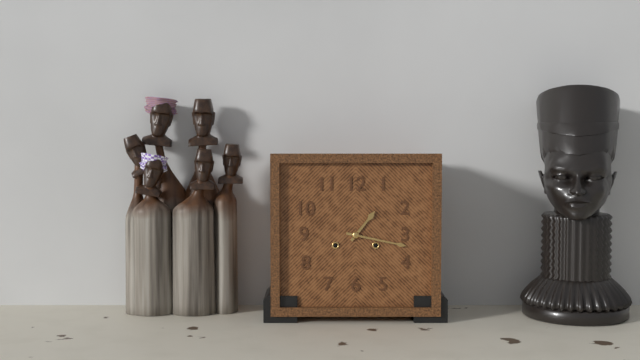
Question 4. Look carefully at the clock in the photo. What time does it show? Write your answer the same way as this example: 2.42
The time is 1.17
